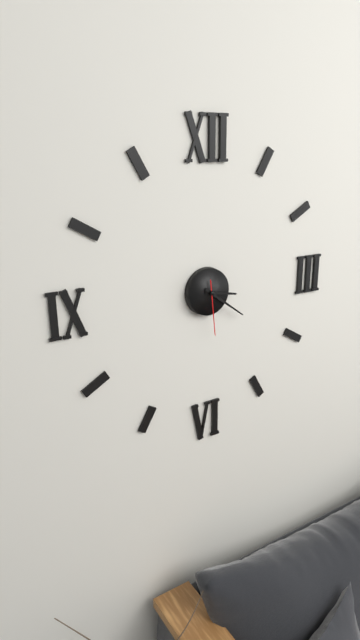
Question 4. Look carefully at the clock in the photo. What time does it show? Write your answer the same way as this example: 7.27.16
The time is 3.21.29
